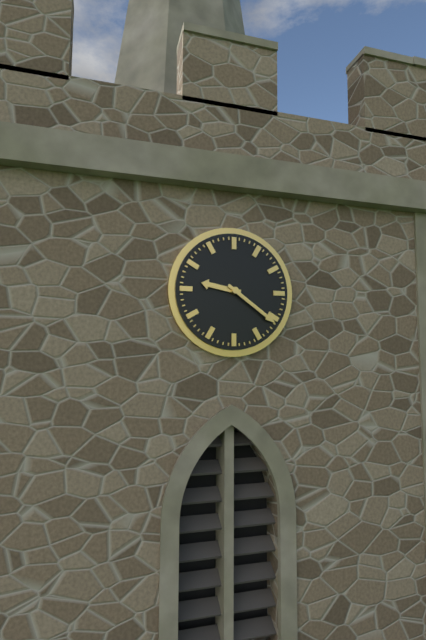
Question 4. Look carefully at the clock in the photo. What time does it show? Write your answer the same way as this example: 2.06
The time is 9.21
